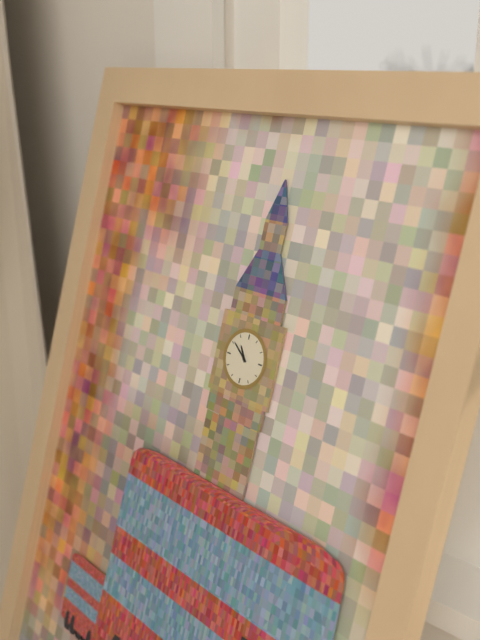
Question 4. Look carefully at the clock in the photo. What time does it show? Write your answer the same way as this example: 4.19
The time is 10.51
